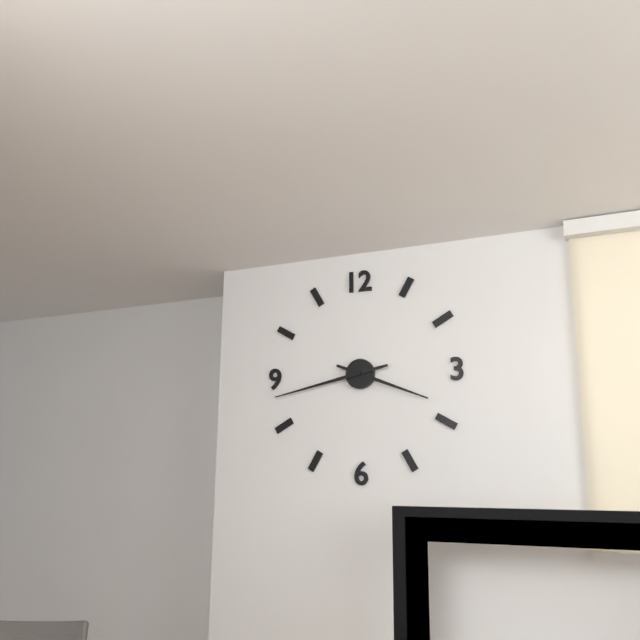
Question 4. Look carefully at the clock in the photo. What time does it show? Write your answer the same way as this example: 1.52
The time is 3.43
